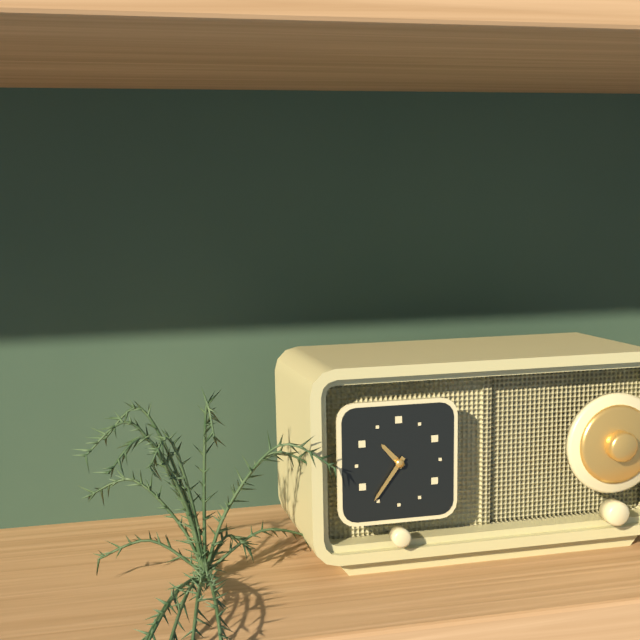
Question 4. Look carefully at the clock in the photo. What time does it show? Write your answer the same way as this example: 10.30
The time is 10.36
